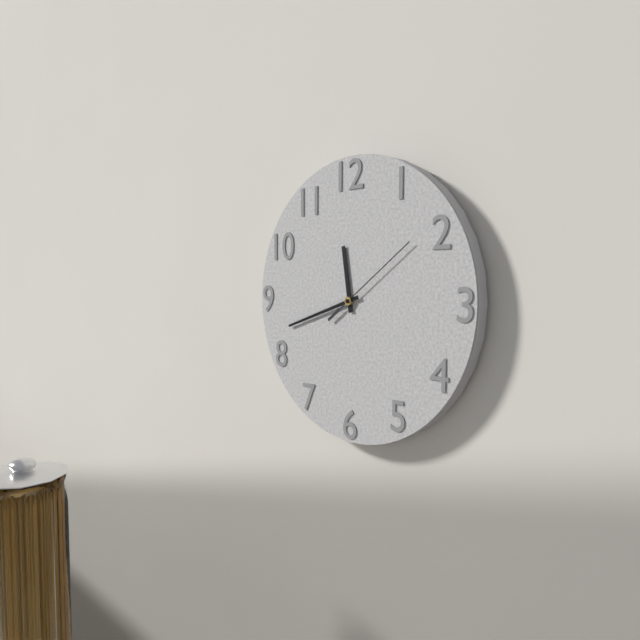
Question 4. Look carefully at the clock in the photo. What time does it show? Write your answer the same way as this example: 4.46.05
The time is 11.42.09
